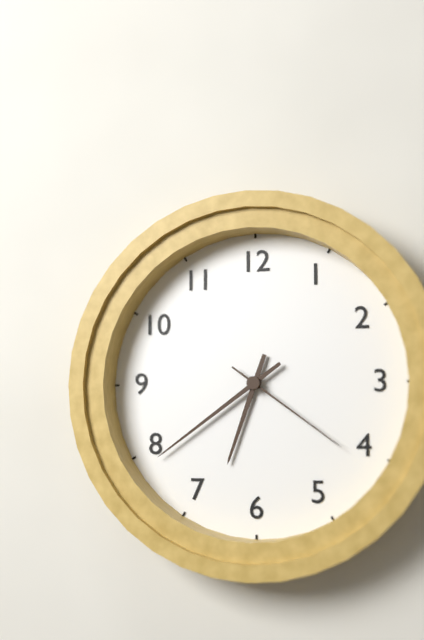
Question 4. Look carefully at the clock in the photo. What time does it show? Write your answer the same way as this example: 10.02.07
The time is 6.39.21
